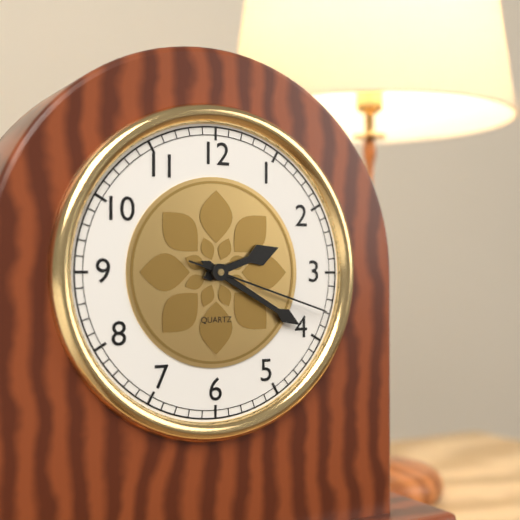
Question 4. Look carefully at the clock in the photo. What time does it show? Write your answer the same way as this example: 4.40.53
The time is 2.20.18
